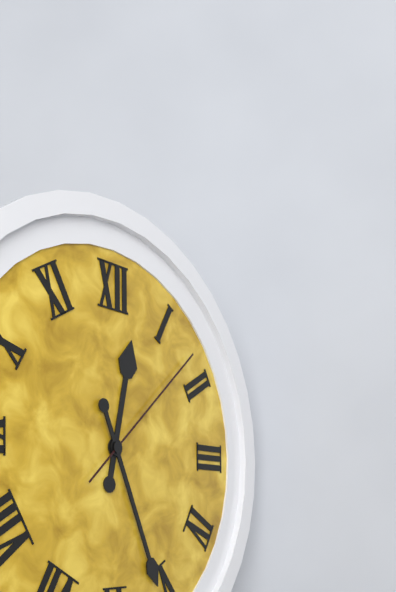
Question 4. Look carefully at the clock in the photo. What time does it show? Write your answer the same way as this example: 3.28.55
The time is 12.26.08
